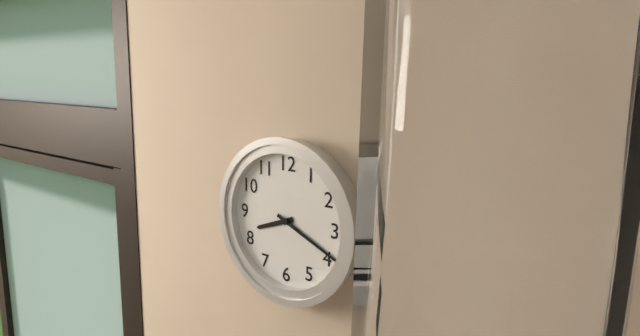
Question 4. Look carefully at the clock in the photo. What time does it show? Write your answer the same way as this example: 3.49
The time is 8.19
